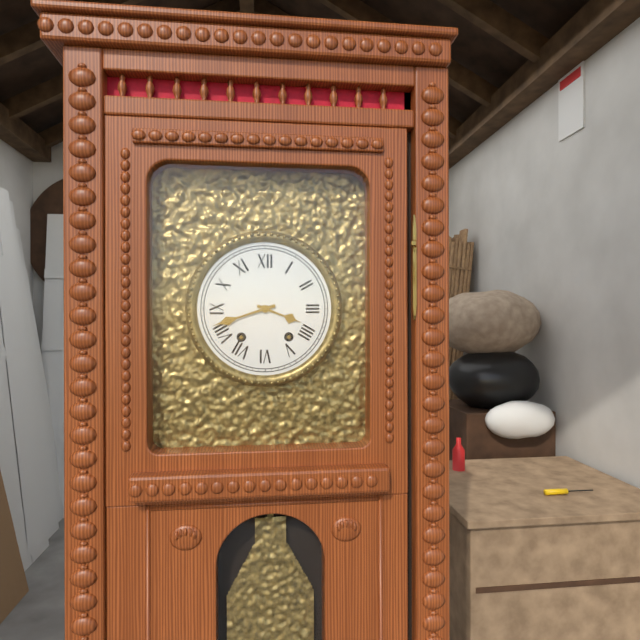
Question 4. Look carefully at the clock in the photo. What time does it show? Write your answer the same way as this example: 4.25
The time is 3.42
